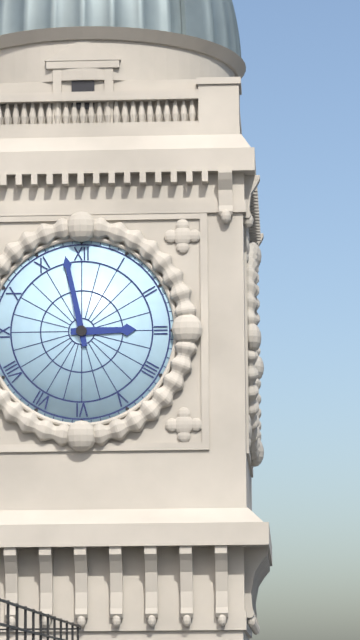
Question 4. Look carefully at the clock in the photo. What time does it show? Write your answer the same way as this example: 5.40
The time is 2.58
